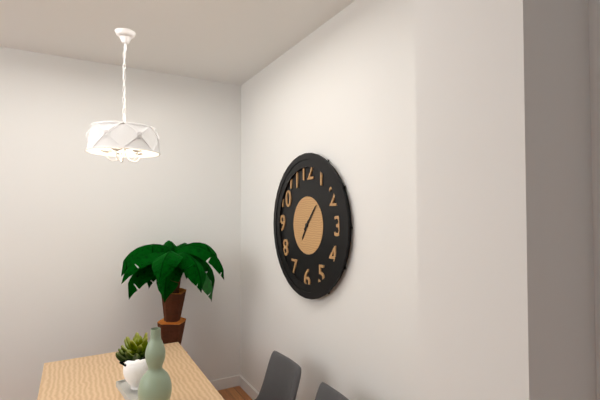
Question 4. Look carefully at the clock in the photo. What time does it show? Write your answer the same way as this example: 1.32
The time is 7.07
